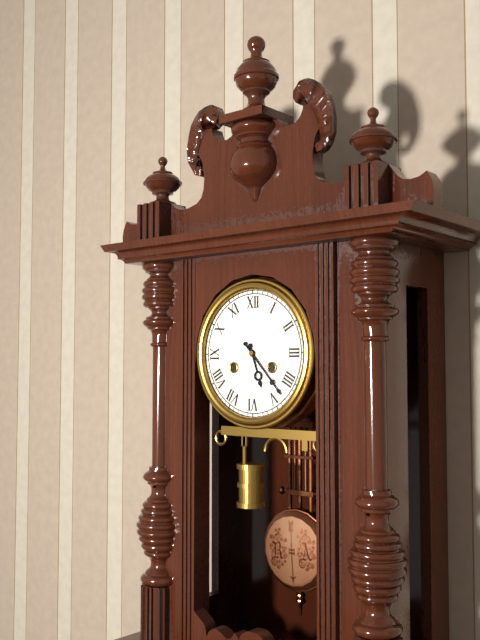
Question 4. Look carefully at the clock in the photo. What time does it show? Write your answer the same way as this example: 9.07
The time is 5.23
